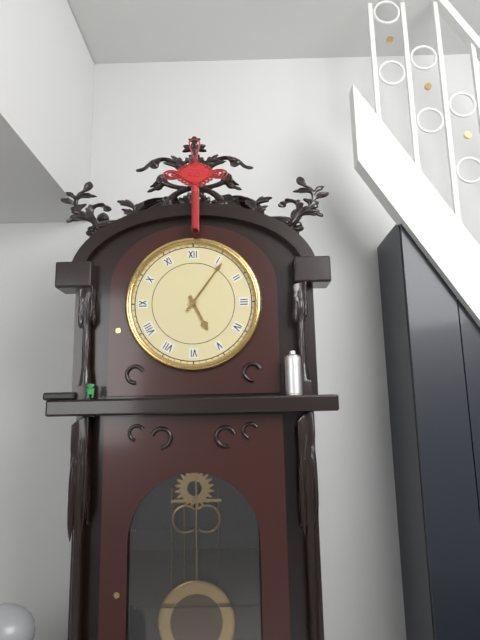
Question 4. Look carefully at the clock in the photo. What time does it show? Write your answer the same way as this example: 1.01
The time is 5.06
